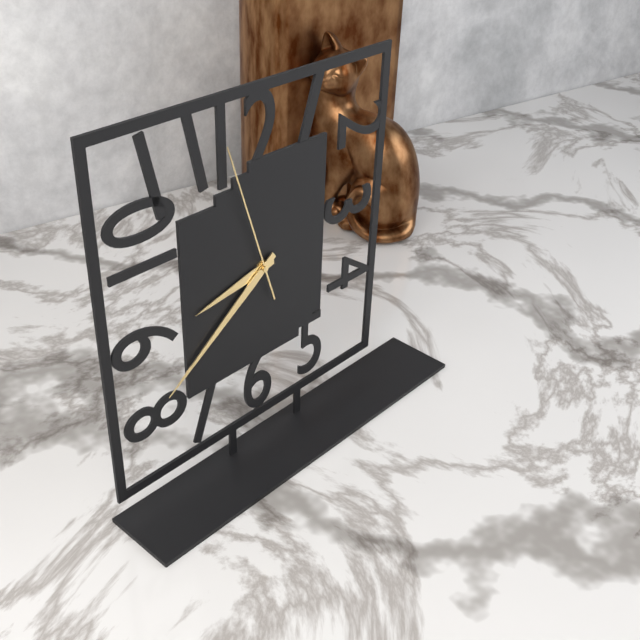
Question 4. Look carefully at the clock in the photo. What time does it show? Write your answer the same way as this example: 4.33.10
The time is 8.39.57
